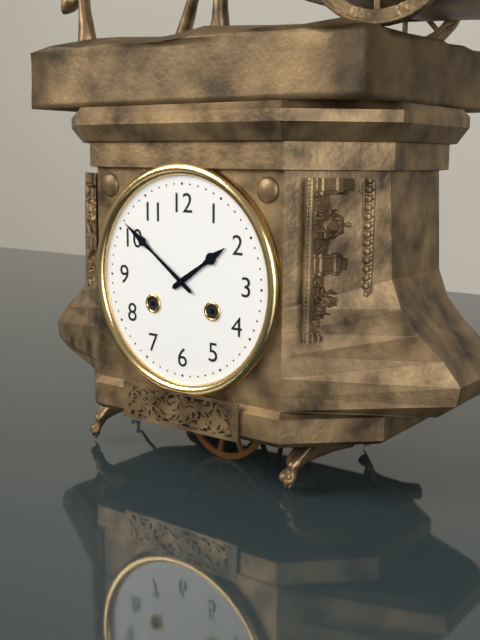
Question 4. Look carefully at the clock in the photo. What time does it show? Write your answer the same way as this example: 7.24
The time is 1.51
